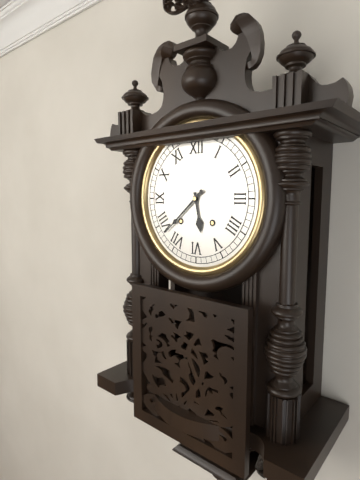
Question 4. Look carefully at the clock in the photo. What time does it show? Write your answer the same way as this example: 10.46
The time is 5.38
